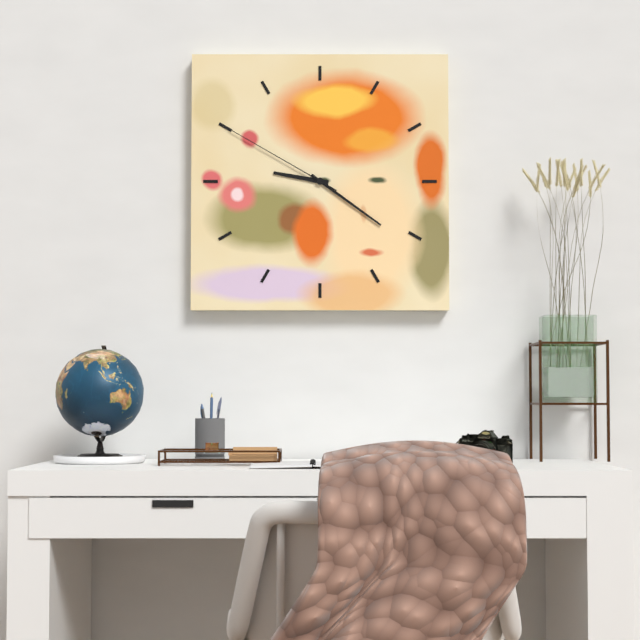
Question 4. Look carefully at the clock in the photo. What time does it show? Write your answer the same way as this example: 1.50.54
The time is 9.21.50
